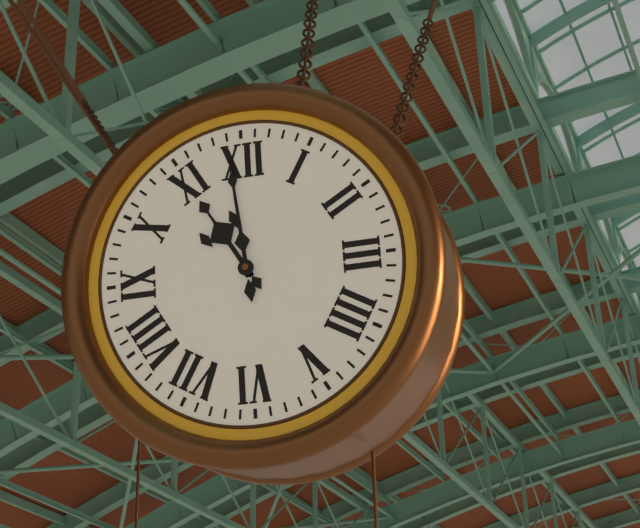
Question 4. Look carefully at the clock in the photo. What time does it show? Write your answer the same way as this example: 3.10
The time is 10.59
